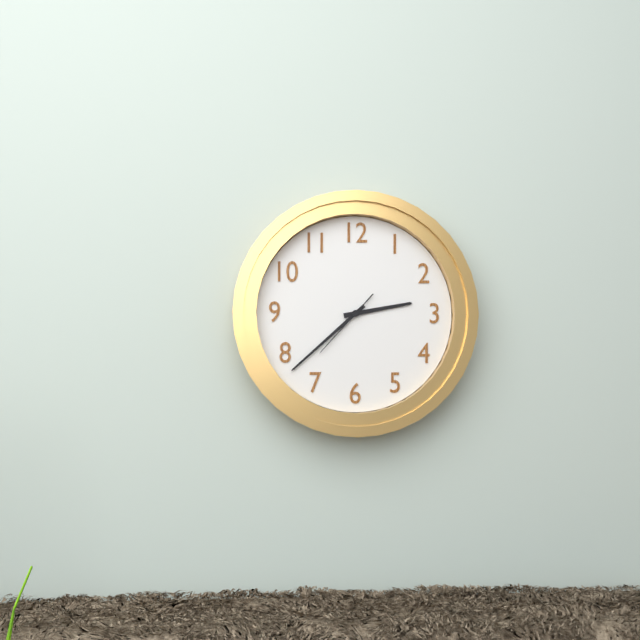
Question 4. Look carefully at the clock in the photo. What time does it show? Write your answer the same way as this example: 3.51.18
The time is 2.38.37
